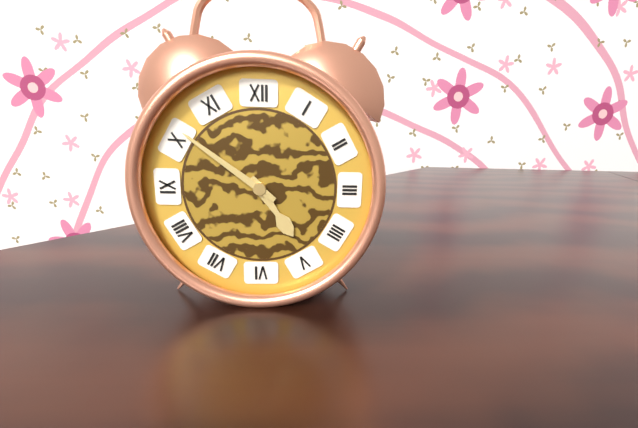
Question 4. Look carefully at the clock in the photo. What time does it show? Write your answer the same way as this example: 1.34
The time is 4.51
